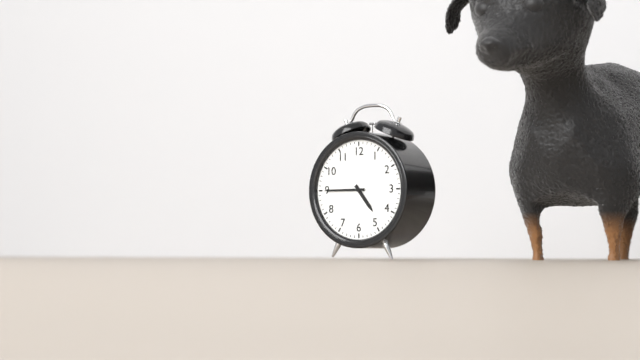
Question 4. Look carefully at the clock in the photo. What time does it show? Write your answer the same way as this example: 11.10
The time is 4.45
